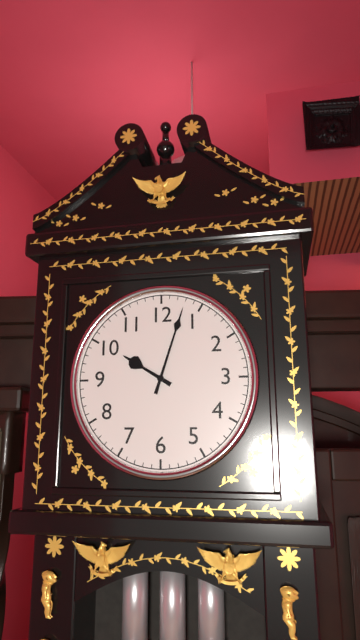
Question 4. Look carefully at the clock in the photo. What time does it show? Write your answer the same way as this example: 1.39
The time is 10.03
